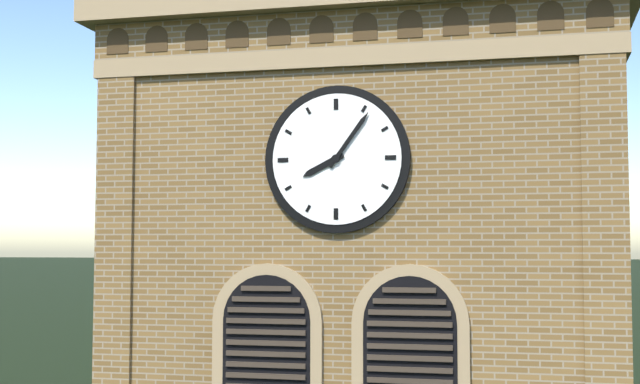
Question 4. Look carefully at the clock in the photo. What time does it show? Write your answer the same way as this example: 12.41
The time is 8.06
